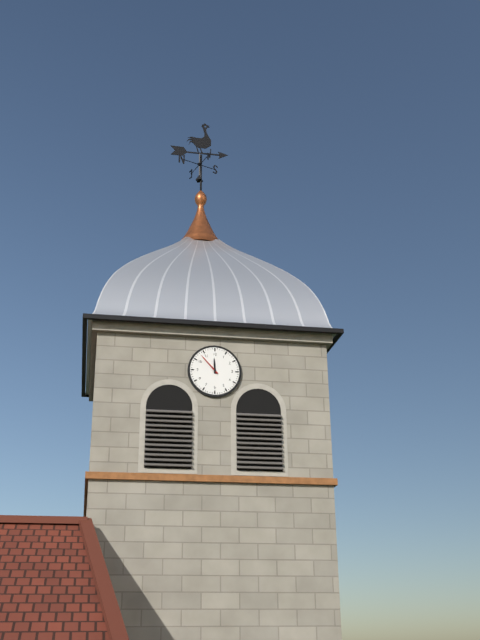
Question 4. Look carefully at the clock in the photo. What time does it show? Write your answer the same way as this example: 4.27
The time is 11.53
